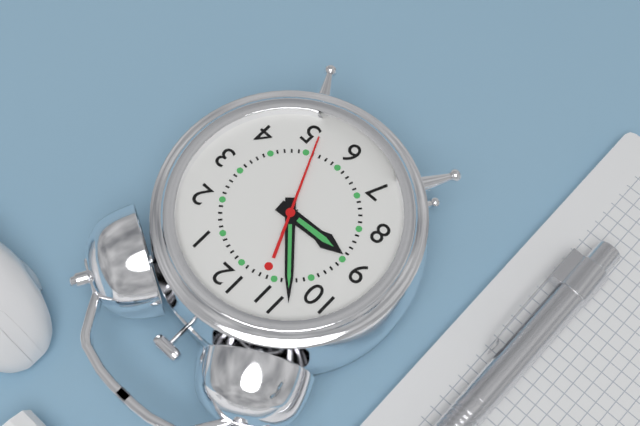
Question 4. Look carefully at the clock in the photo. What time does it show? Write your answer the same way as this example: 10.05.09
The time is 8.53.26
